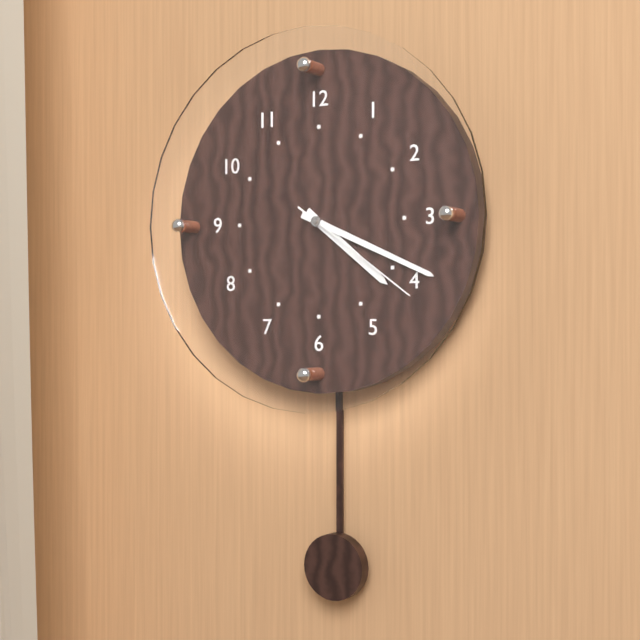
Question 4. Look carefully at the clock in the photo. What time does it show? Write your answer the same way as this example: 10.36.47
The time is 4.19.21
